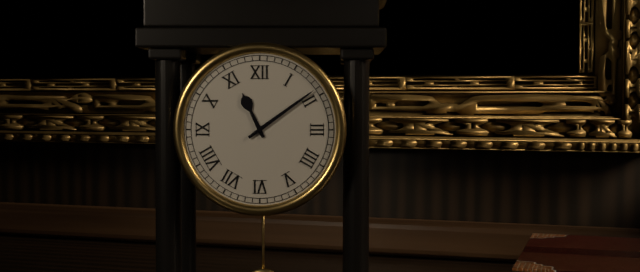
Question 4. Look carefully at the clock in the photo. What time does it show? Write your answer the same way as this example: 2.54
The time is 11.09
